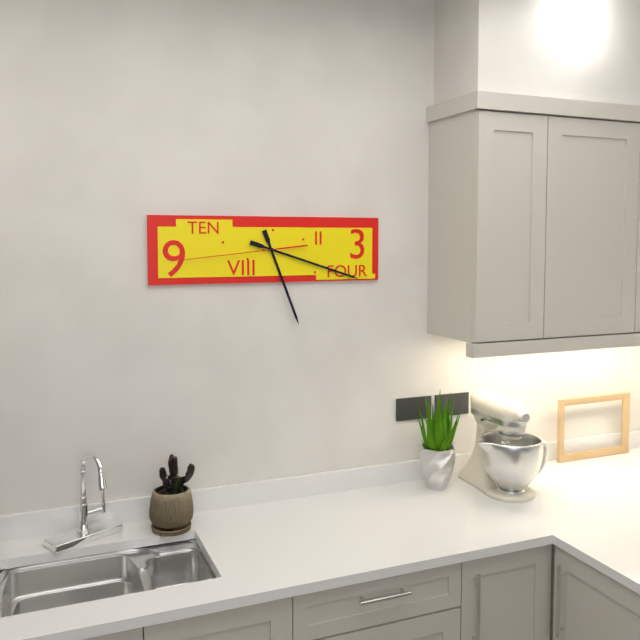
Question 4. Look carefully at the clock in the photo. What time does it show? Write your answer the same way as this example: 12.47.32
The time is 5.18.44
